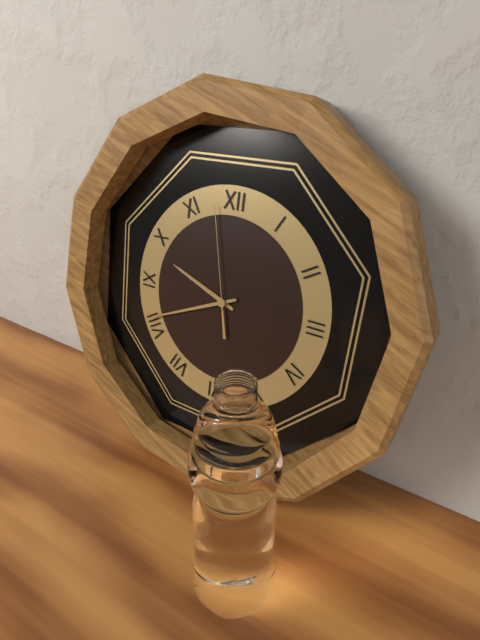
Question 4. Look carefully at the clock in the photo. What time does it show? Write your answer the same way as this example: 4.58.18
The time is 9.41.58
